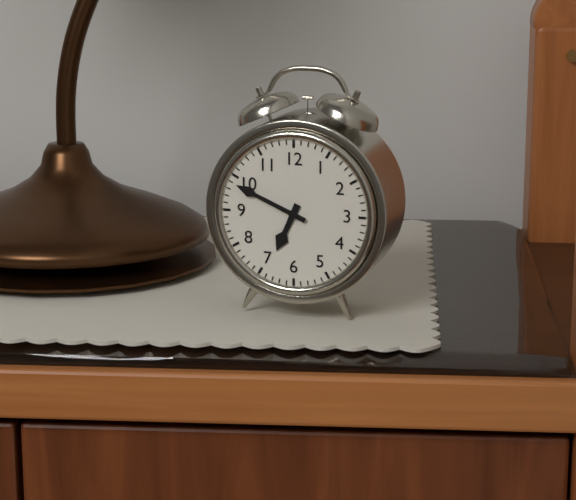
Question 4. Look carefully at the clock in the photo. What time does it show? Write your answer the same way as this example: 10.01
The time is 6.49
